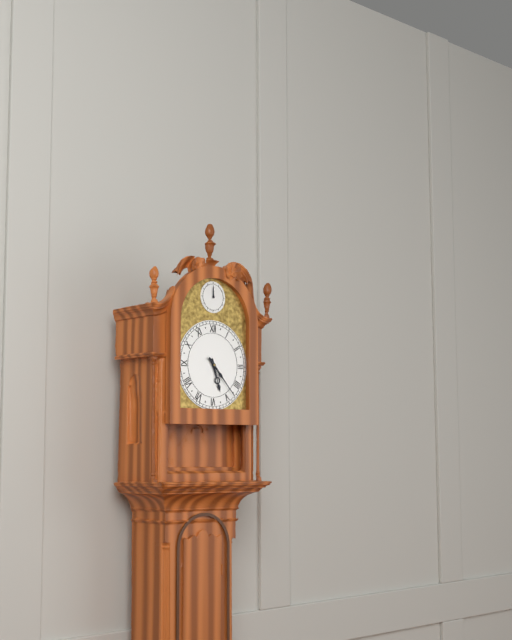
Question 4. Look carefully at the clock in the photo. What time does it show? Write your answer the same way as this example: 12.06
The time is 5.23
